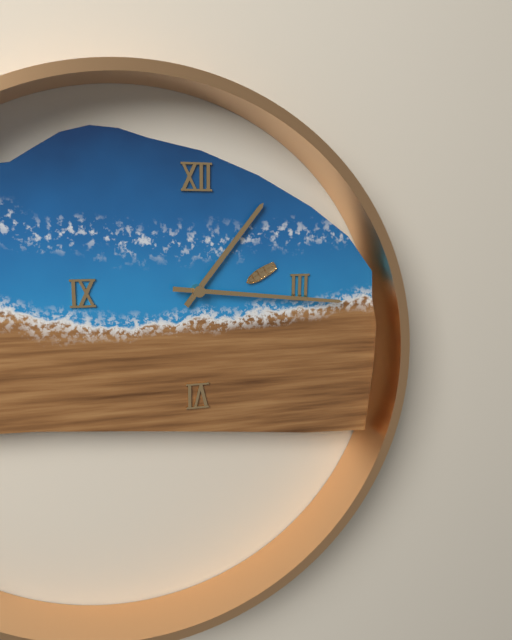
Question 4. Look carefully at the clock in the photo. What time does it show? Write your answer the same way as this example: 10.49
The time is 1.16
